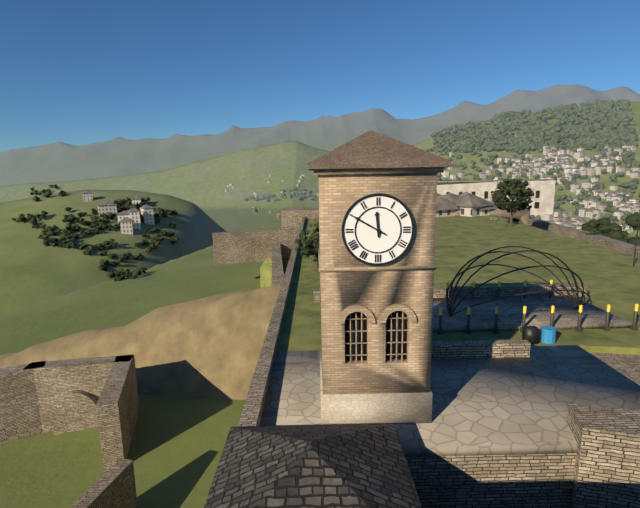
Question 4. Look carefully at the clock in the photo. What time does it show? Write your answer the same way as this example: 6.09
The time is 11.50
